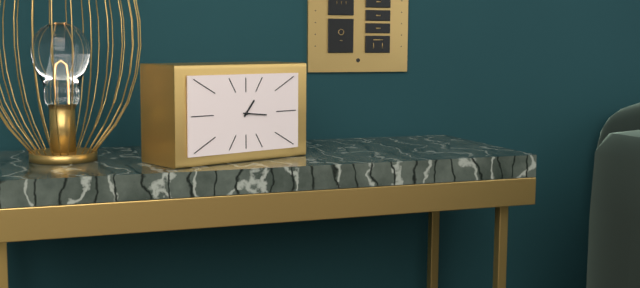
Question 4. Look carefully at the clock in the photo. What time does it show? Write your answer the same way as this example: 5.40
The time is 1.16
